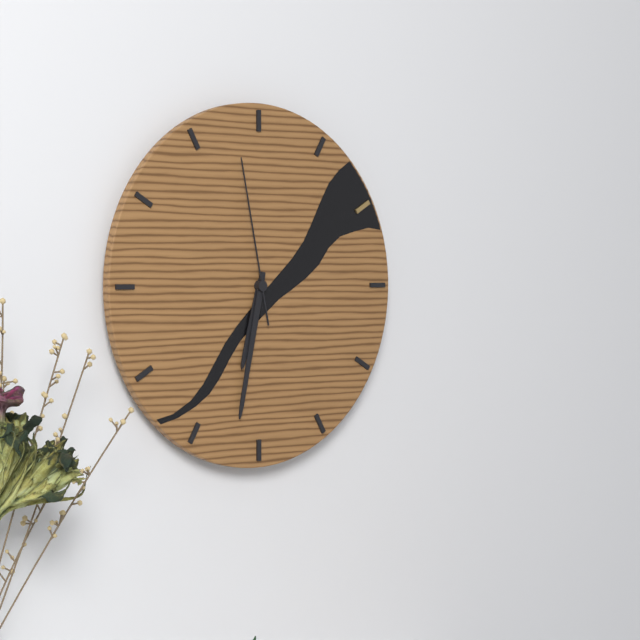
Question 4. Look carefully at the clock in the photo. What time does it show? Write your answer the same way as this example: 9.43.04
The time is 6.32.58
